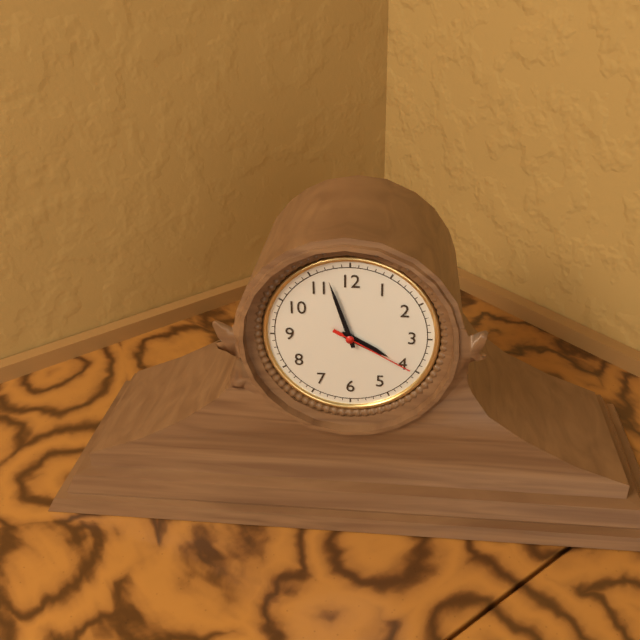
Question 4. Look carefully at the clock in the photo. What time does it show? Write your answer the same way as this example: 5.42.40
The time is 3.57.20
